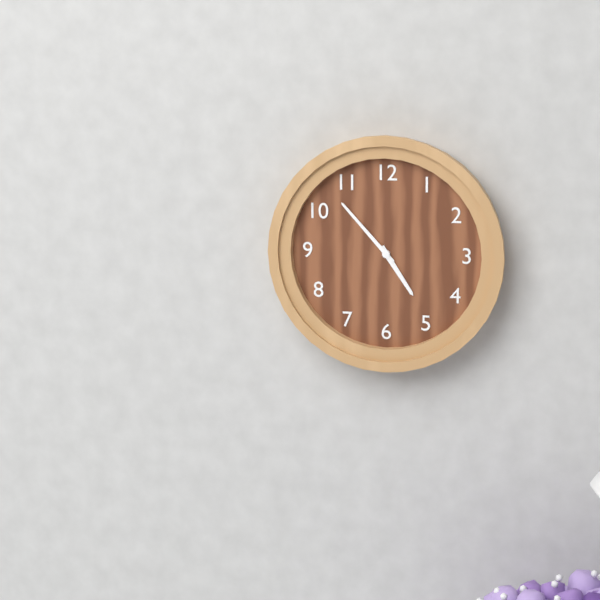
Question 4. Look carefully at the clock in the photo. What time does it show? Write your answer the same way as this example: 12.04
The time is 4.53
